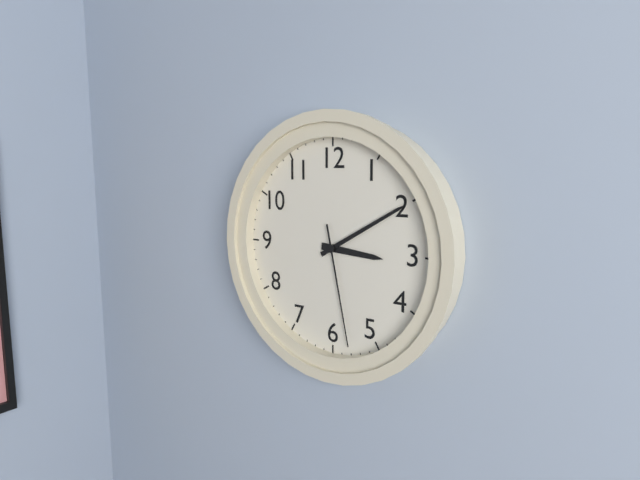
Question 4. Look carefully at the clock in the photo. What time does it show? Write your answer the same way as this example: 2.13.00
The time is 3.10.28
